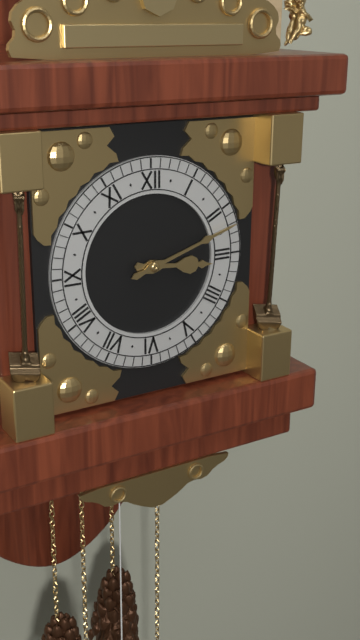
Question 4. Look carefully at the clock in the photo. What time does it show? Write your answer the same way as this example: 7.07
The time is 3.12
